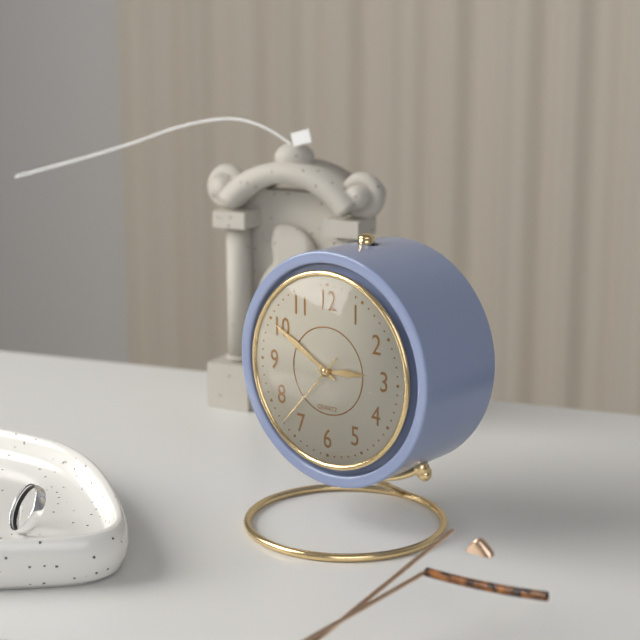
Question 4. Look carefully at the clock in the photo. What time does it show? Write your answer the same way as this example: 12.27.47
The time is 2.50.37
